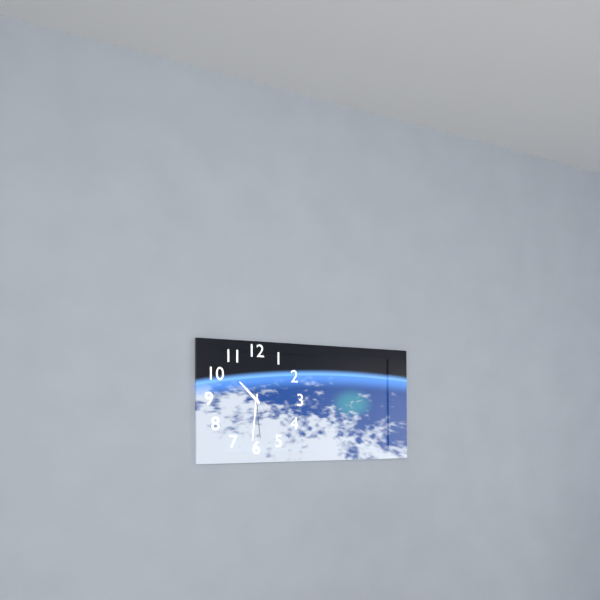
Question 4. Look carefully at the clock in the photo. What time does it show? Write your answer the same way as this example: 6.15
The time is 10.31
